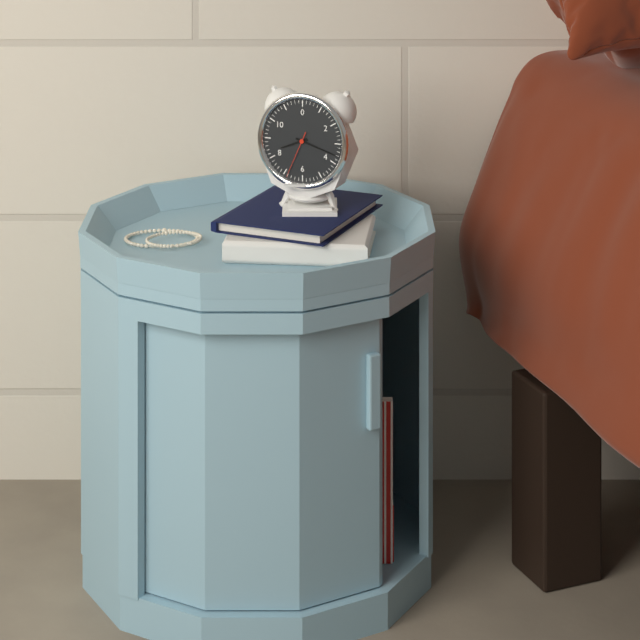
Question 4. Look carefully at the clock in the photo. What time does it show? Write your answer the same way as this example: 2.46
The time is 8.18
